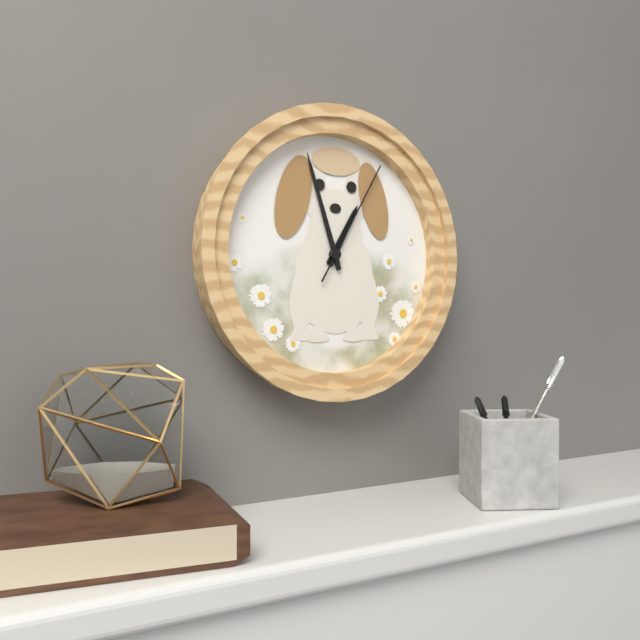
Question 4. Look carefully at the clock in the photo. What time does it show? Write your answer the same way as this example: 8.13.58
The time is 12.57.05
